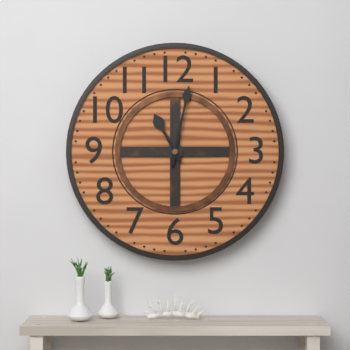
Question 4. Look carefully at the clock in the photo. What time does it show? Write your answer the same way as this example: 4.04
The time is 11.02
